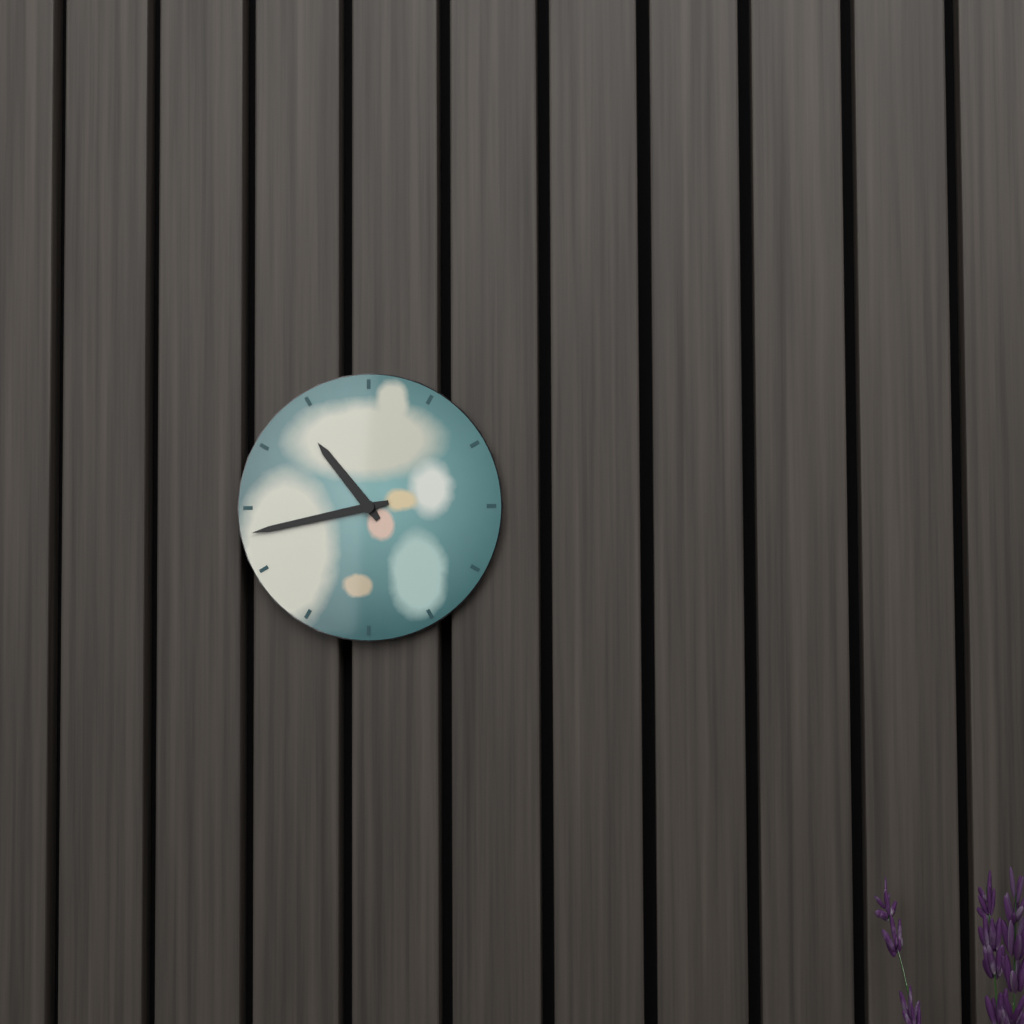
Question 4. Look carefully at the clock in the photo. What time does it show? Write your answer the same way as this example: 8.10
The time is 10.43
